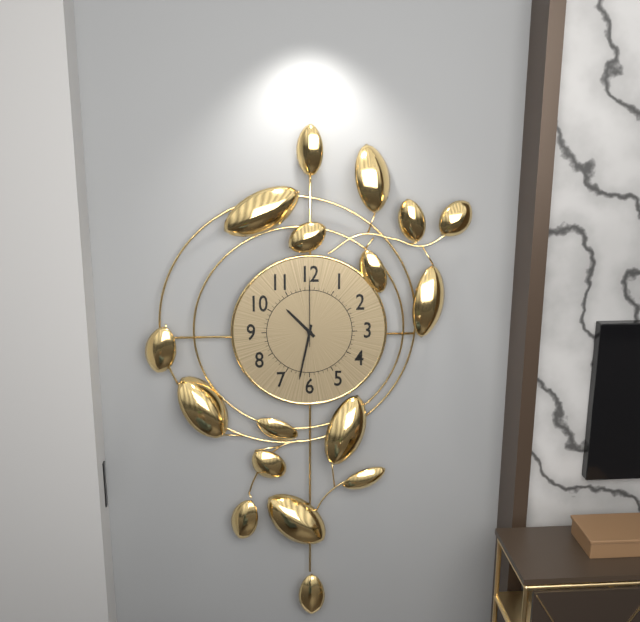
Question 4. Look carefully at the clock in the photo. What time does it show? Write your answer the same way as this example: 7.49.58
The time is 10.32.00
